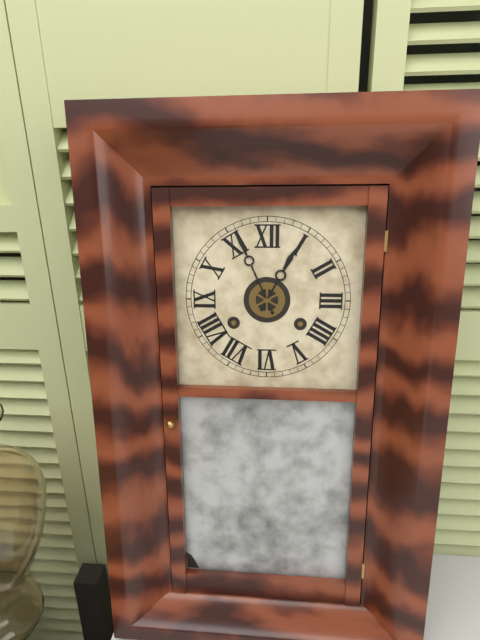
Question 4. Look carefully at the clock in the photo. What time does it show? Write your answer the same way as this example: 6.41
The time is 12.56
